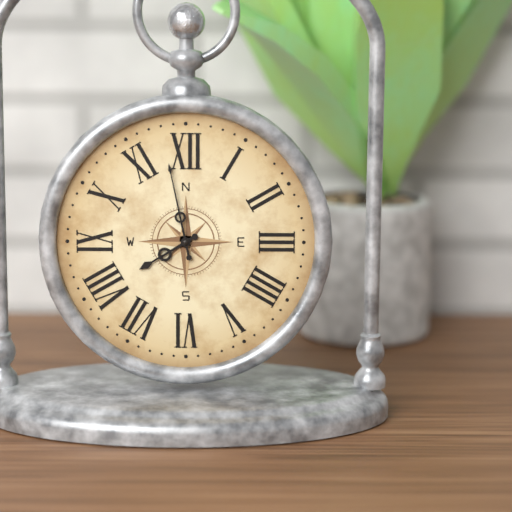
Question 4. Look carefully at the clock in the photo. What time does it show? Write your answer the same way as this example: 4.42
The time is 7.58
